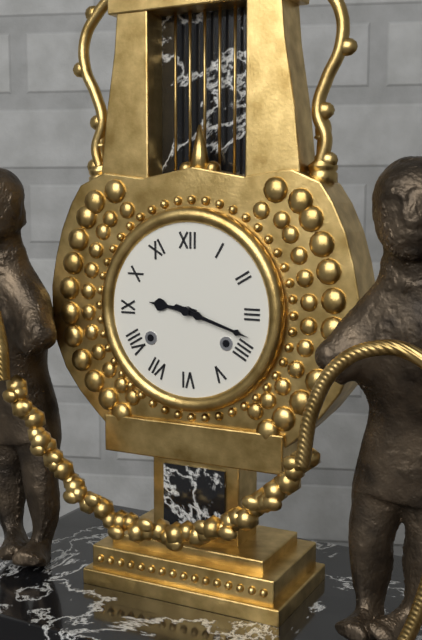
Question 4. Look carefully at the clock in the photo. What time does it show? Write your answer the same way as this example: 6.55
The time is 9.18
